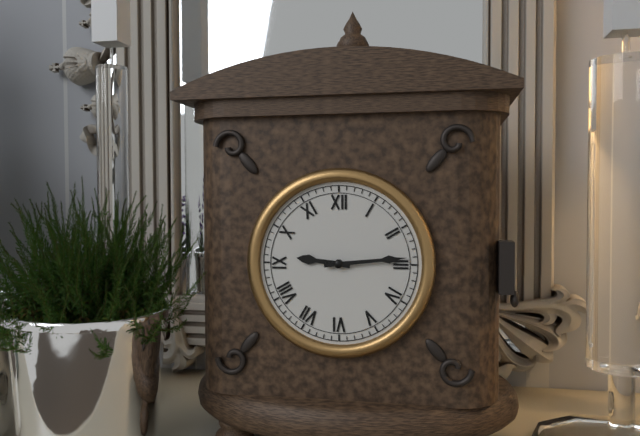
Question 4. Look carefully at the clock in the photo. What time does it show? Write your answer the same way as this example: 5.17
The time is 9.14
